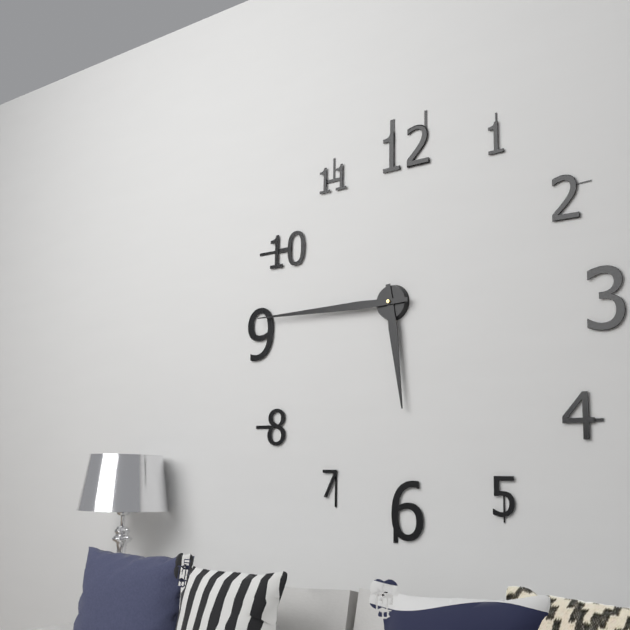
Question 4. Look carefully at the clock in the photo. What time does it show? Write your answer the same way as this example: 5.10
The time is 5.45
